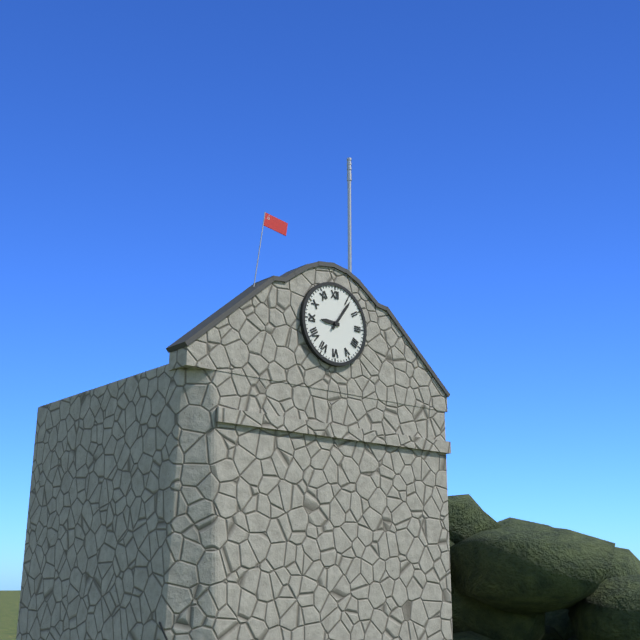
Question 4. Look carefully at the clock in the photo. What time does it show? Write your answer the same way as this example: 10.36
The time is 9.06
